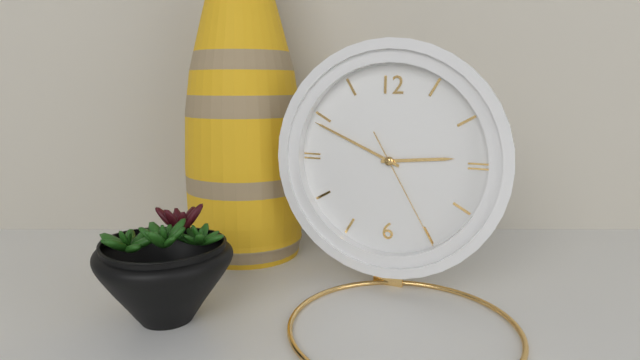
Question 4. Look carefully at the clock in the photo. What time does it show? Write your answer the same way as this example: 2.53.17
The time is 2.49.25
